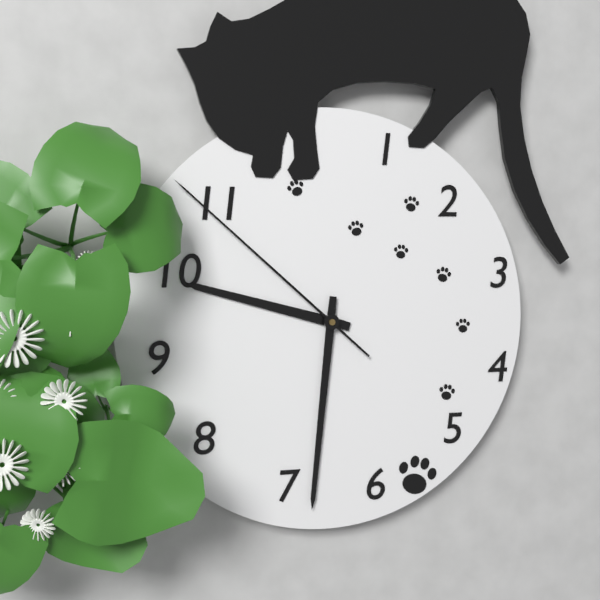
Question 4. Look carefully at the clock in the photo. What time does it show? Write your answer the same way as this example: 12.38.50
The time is 9.31.52
